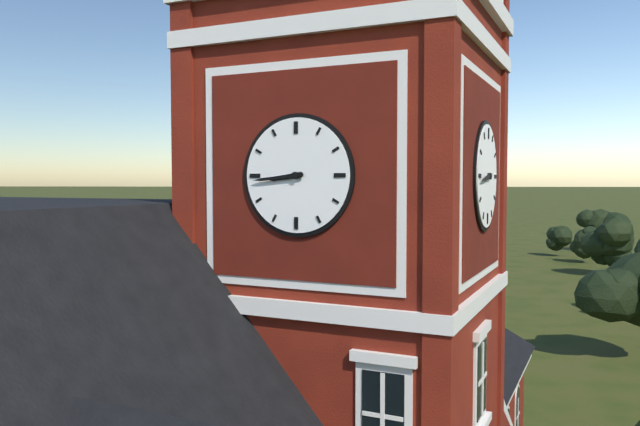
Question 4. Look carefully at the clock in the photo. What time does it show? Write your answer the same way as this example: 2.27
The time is 8.44
